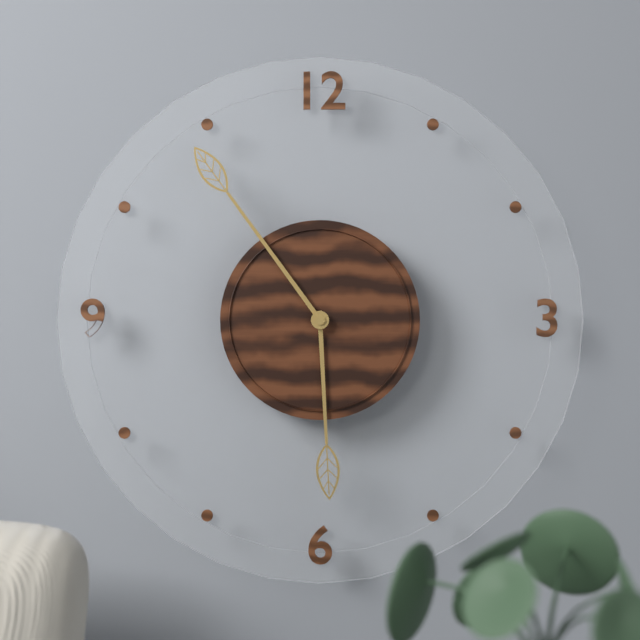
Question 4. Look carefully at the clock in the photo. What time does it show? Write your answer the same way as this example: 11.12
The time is 5.54
